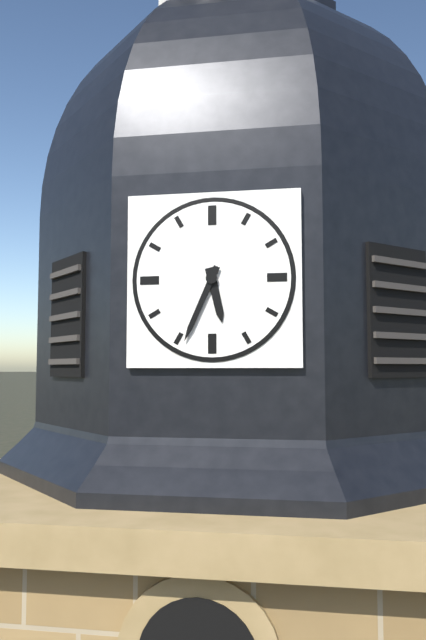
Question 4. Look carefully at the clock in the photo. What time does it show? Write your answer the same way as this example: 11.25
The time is 5.34
